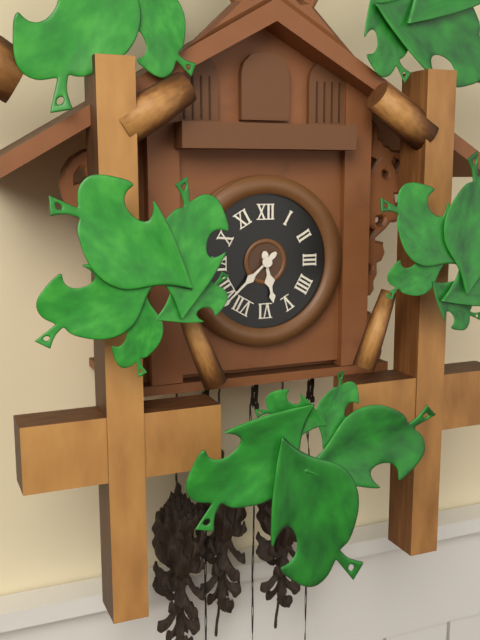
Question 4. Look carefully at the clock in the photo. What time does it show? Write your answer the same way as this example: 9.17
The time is 5.38
